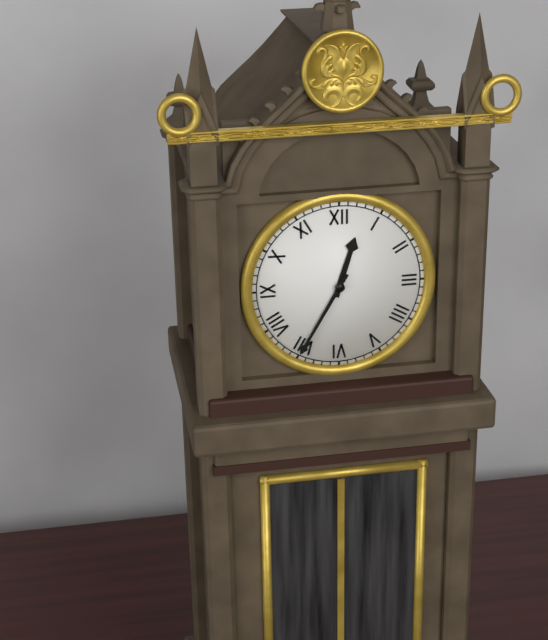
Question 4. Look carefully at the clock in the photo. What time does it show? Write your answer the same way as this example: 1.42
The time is 12.35
